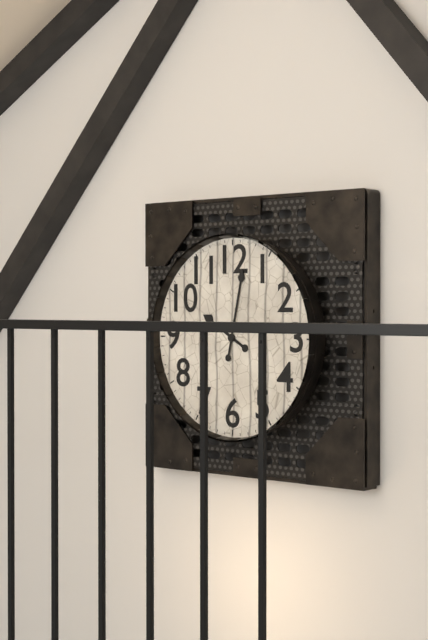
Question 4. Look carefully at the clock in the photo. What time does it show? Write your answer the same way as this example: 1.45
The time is 10.02
